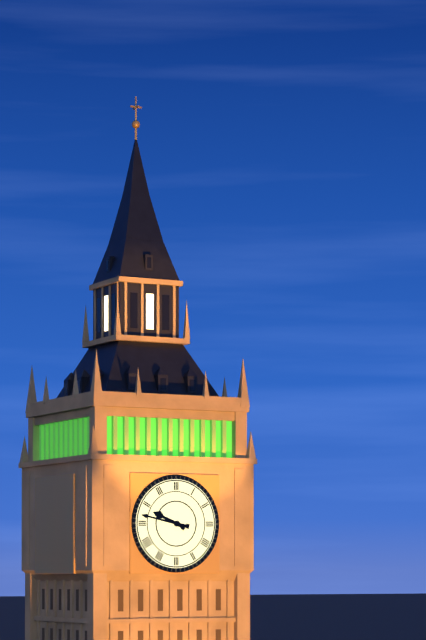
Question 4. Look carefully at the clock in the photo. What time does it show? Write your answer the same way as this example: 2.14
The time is 9.47
